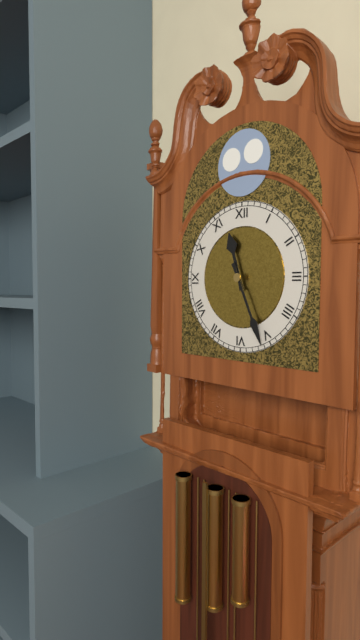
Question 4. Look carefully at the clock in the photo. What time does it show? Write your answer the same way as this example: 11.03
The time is 11.26
